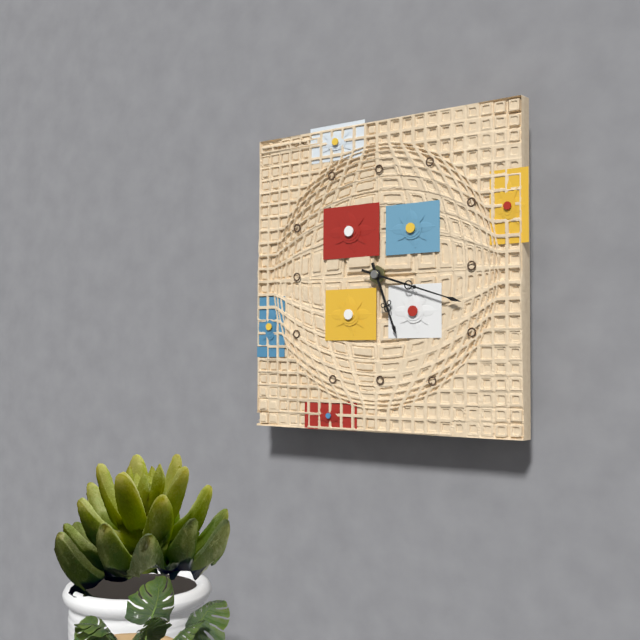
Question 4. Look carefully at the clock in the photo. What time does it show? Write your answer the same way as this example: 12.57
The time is 5.18
